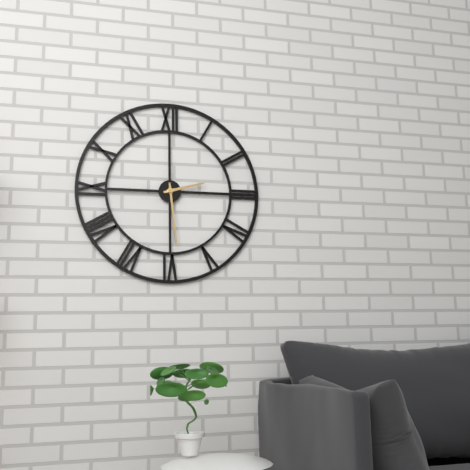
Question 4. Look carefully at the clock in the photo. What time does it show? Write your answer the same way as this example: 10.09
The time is 2.29
